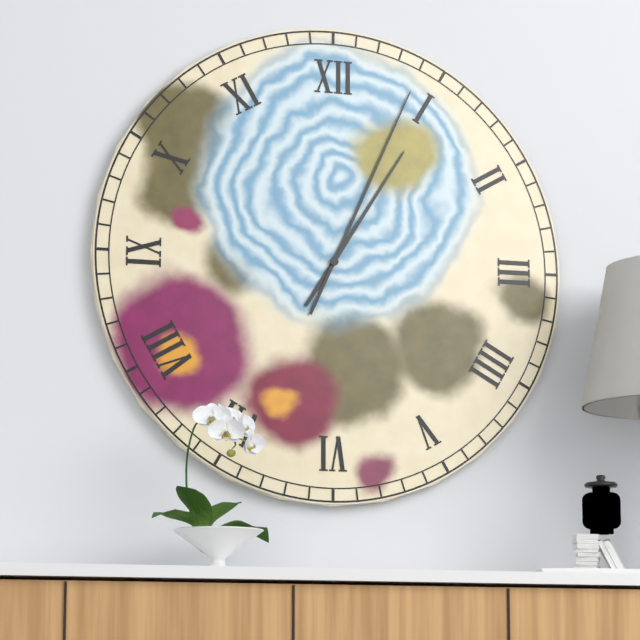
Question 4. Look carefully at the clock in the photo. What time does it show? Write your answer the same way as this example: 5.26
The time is 1.04
